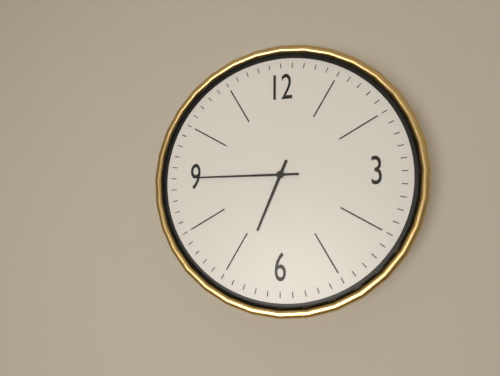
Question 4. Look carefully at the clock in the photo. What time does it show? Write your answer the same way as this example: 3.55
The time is 6.45
